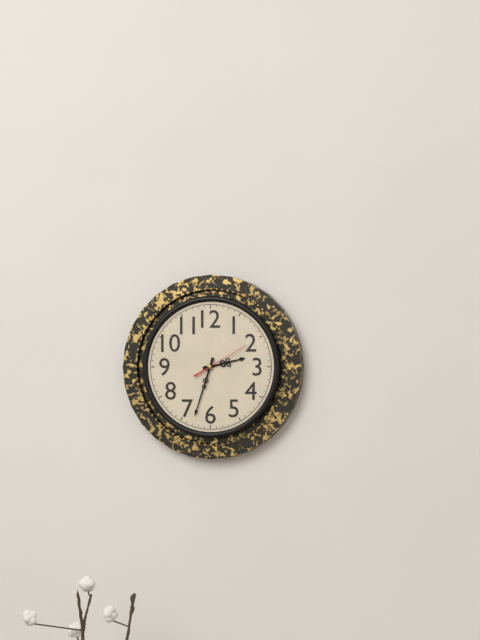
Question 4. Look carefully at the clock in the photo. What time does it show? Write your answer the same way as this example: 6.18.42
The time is 2.33.10
